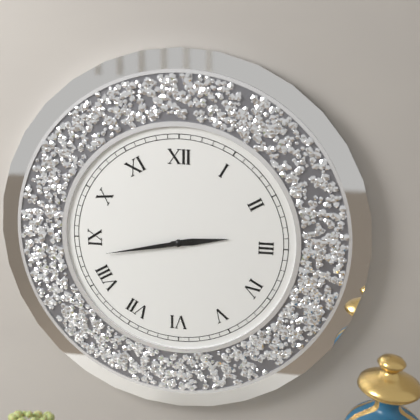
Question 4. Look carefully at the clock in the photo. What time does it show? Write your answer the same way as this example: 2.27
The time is 2.43
